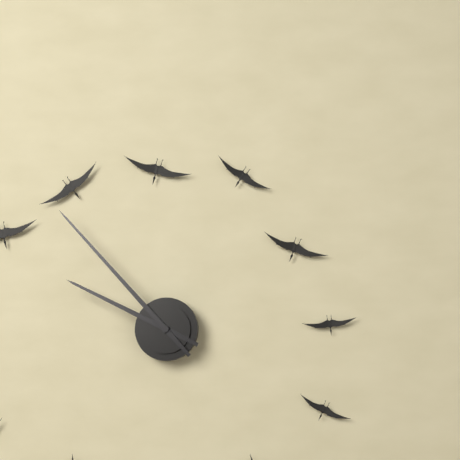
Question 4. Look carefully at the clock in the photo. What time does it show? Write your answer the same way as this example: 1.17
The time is 9.53
